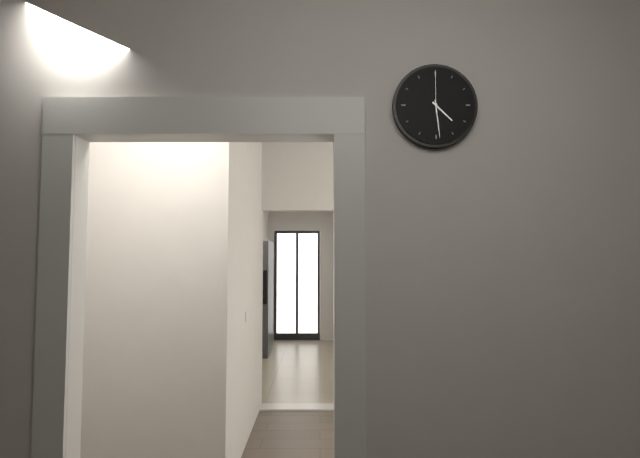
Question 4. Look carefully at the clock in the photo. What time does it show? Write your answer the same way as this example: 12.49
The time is 4.29
